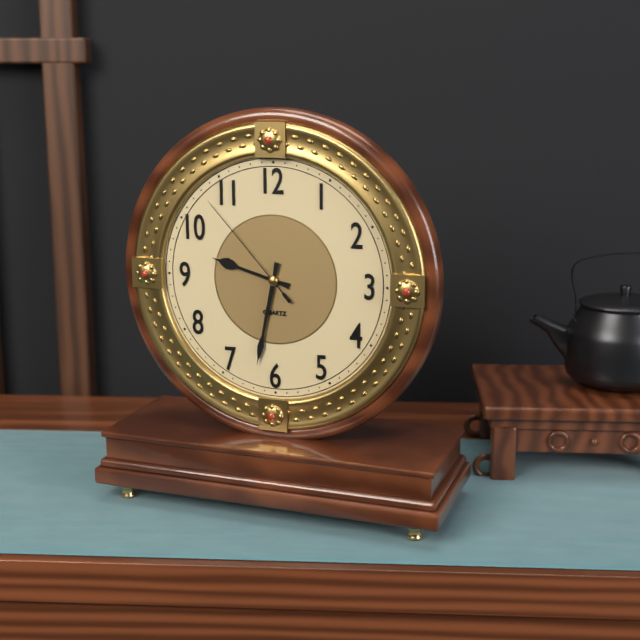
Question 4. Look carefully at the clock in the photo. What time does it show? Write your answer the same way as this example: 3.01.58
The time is 9.32.53
